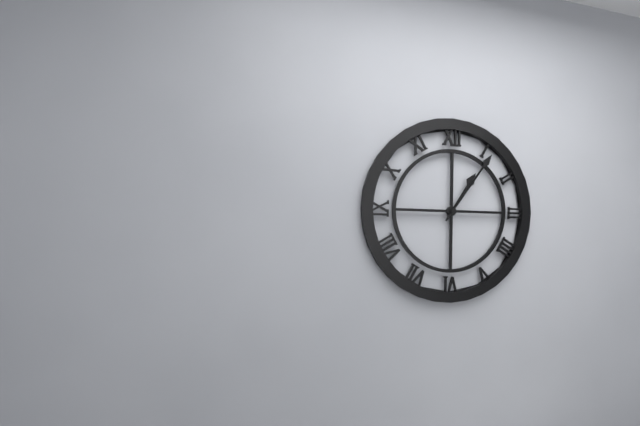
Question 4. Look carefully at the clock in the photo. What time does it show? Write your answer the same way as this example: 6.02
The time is 1.06
